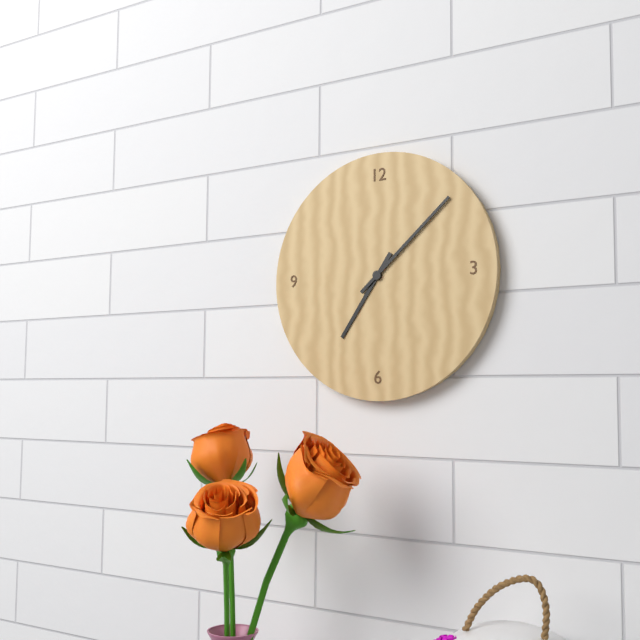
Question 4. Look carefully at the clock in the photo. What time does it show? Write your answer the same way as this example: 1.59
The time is 7.08
